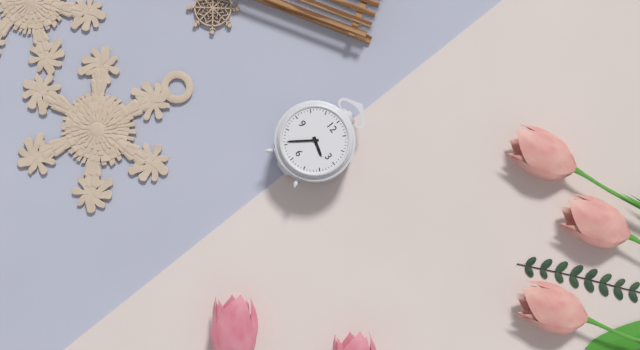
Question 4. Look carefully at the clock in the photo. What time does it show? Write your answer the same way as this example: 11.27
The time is 3.36
